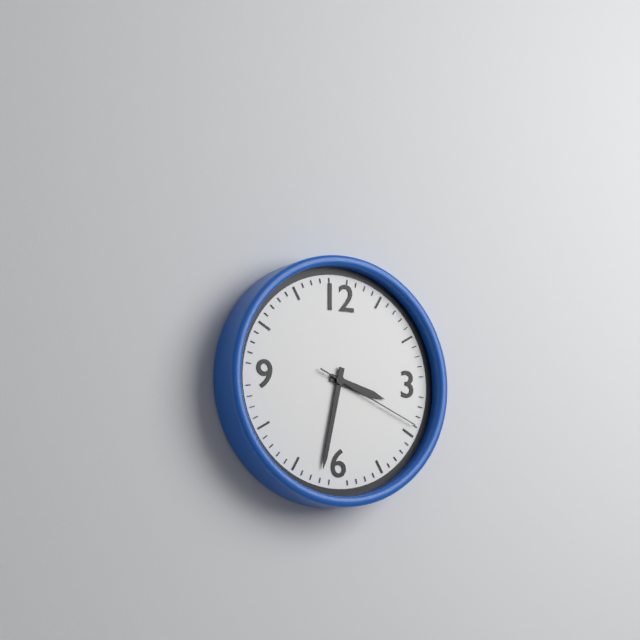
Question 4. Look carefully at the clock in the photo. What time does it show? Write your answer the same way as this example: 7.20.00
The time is 3.32.19
